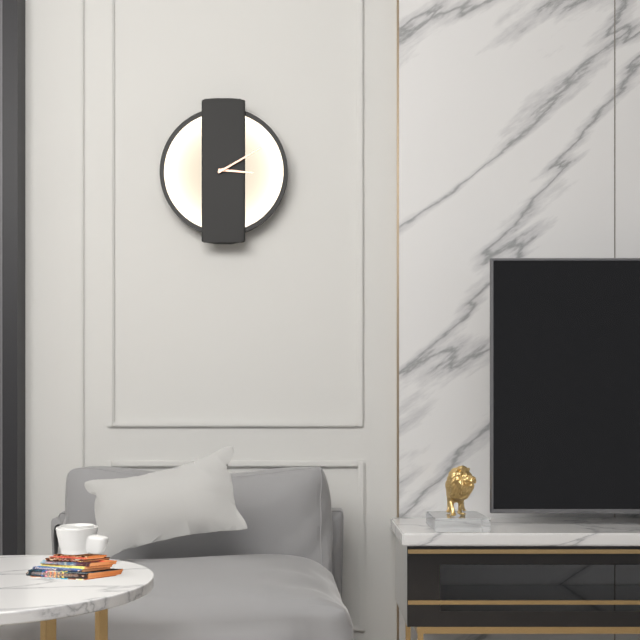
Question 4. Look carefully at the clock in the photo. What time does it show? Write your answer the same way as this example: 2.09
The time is 3.10
